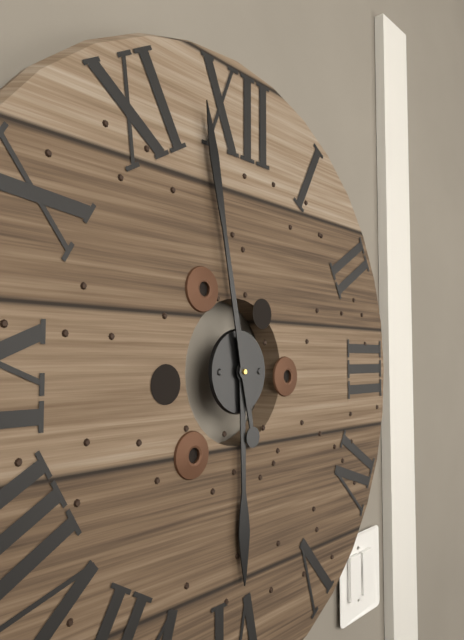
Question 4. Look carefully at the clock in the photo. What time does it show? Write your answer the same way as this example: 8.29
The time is 5.58
